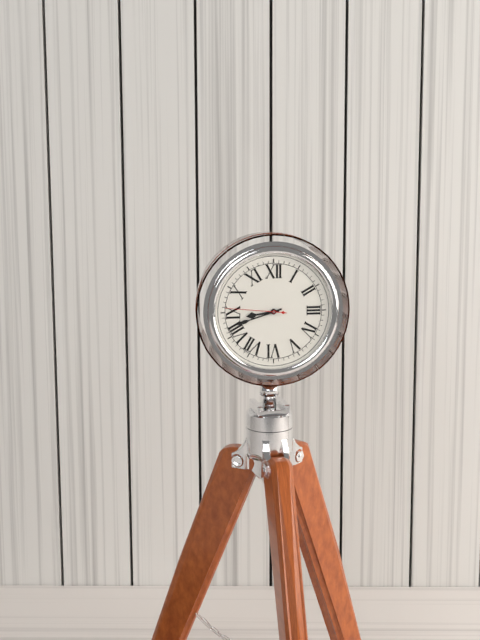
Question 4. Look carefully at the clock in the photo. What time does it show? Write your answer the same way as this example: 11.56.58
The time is 8.42.46
